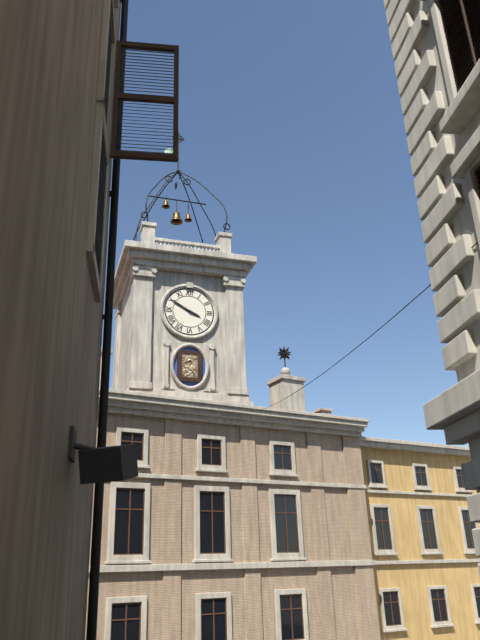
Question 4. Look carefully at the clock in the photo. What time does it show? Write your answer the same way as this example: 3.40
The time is 3.50
